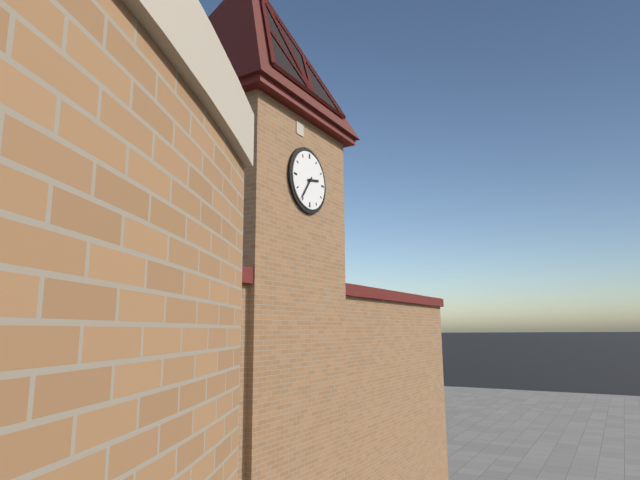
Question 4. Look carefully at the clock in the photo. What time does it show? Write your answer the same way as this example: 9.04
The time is 2.36
